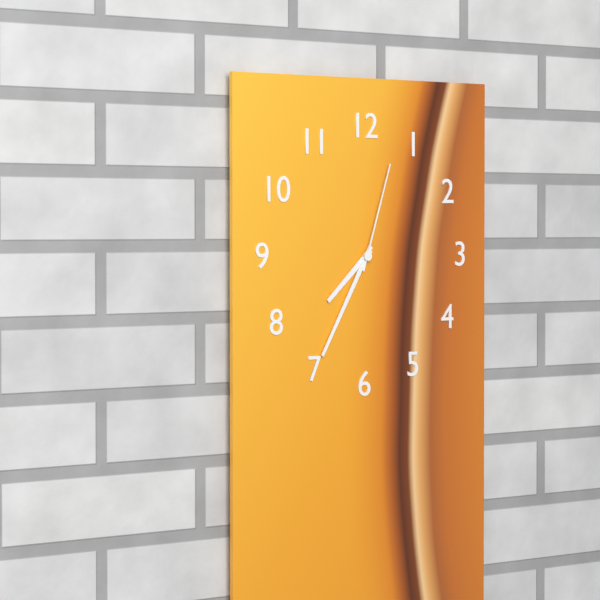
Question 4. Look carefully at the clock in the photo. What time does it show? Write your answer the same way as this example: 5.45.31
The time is 7.35.03
